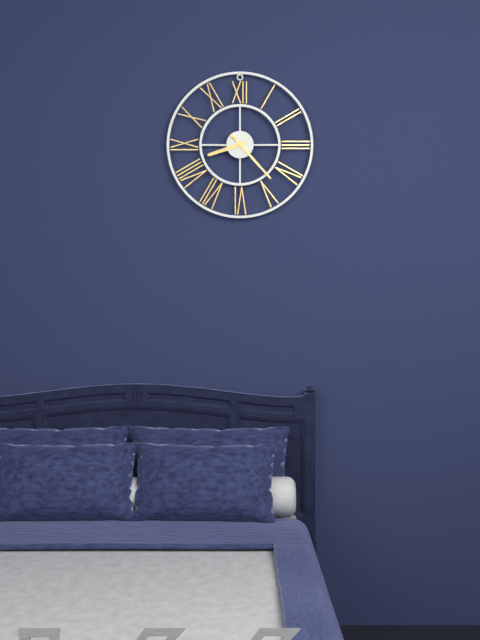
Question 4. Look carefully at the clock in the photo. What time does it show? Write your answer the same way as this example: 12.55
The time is 8.23
